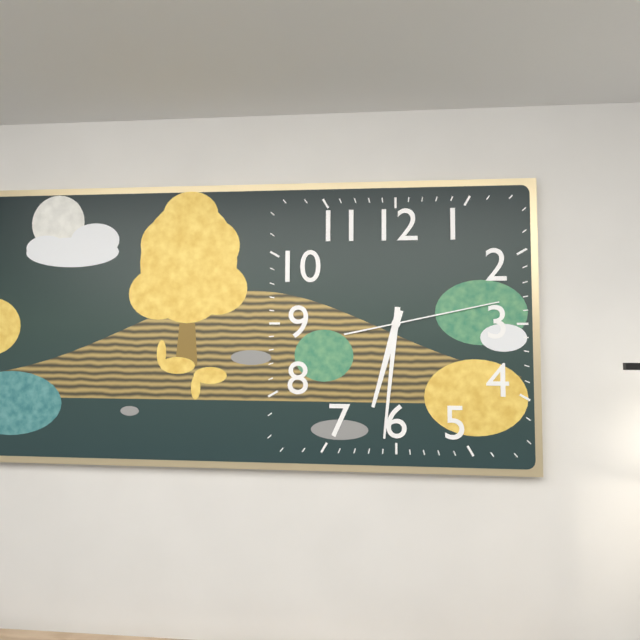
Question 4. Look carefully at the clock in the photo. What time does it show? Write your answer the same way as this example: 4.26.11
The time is 6.31.13
